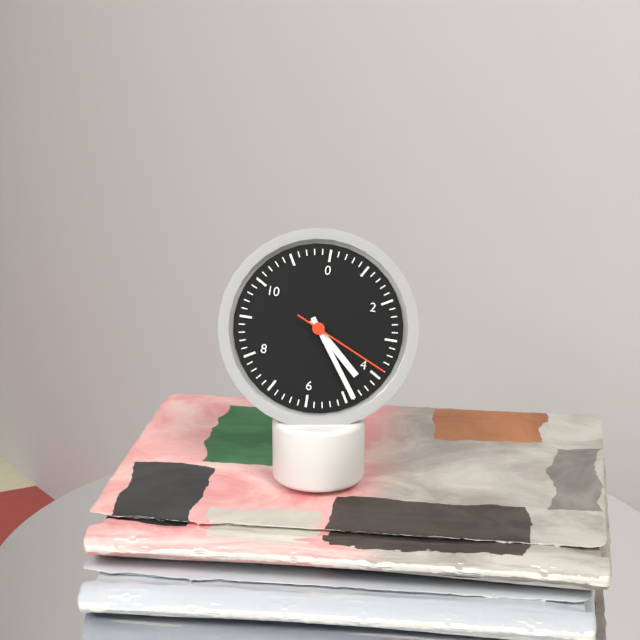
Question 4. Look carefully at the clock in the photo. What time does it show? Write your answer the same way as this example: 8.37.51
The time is 4.24.19
